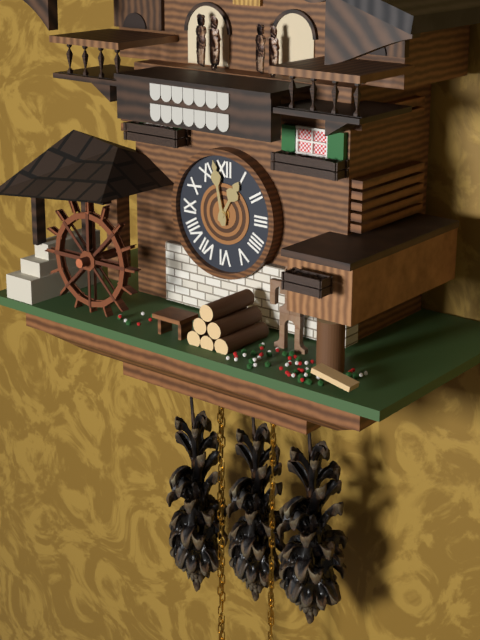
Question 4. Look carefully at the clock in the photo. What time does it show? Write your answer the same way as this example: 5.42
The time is 12.58
